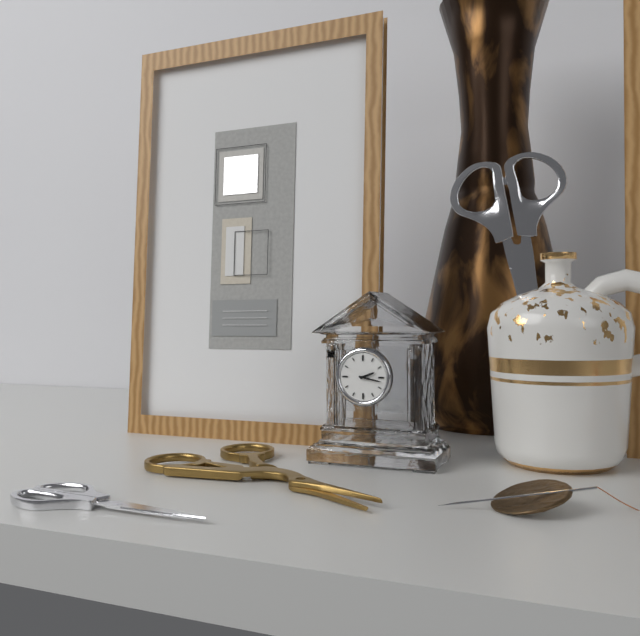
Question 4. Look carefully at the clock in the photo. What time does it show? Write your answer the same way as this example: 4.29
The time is 2.17
